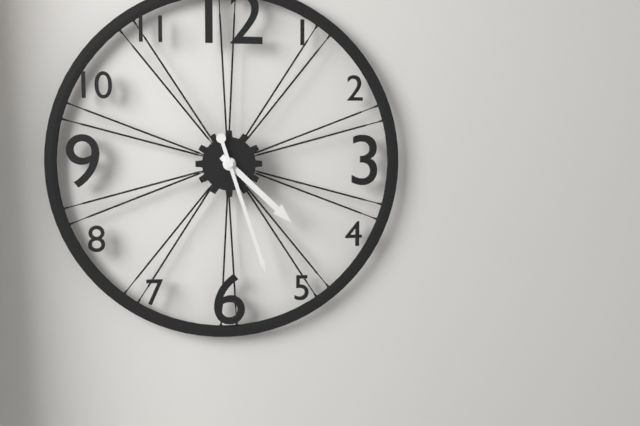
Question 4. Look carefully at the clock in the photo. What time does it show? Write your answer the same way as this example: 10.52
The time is 4.27
